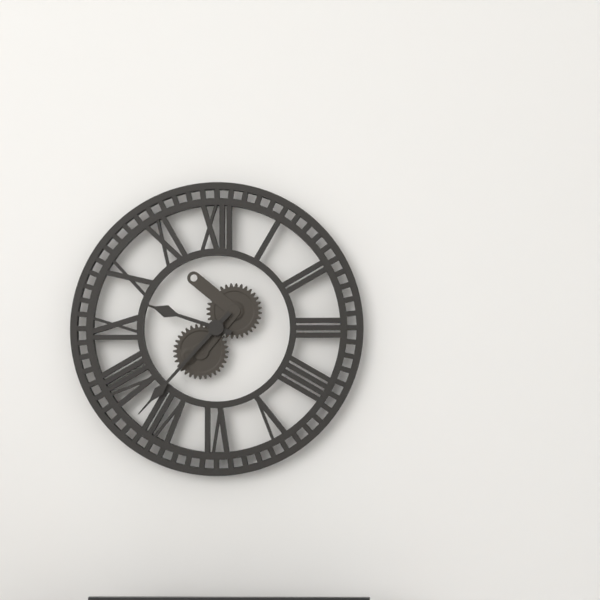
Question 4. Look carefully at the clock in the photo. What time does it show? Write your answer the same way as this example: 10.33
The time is 9.37
